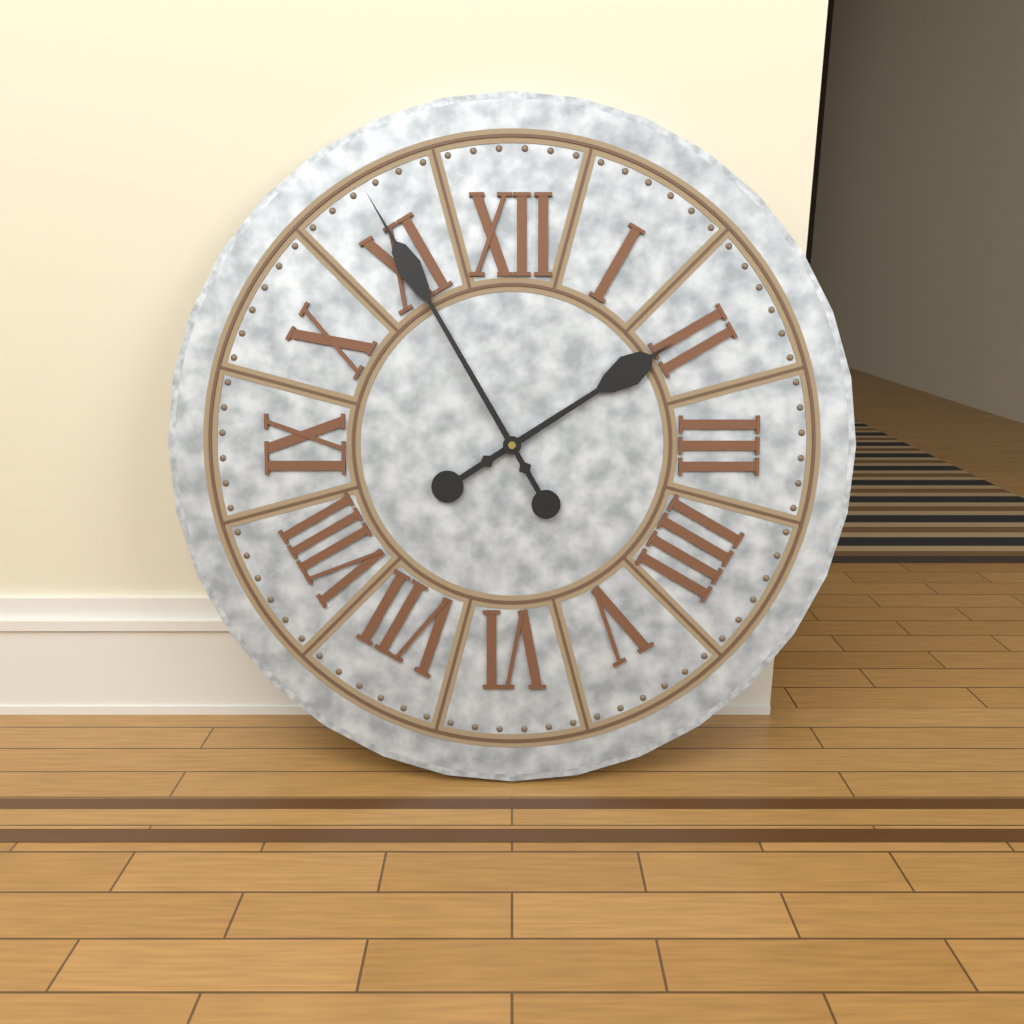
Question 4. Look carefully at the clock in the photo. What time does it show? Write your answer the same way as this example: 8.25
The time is 1.55
